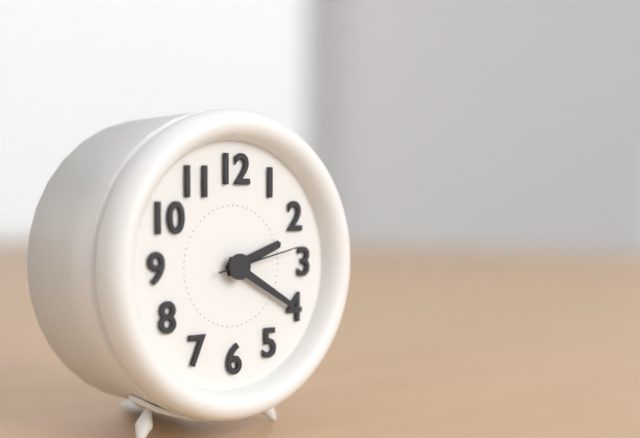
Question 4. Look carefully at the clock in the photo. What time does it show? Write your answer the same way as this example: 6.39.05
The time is 2.20.13
